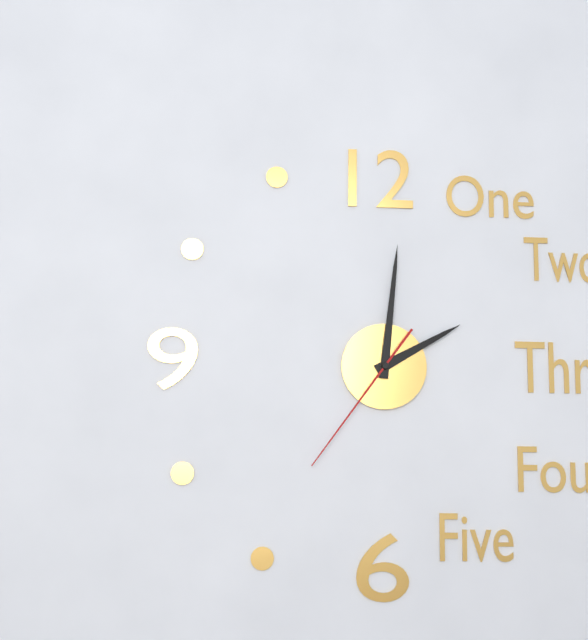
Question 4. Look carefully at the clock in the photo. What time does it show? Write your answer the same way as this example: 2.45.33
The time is 2.01.36
